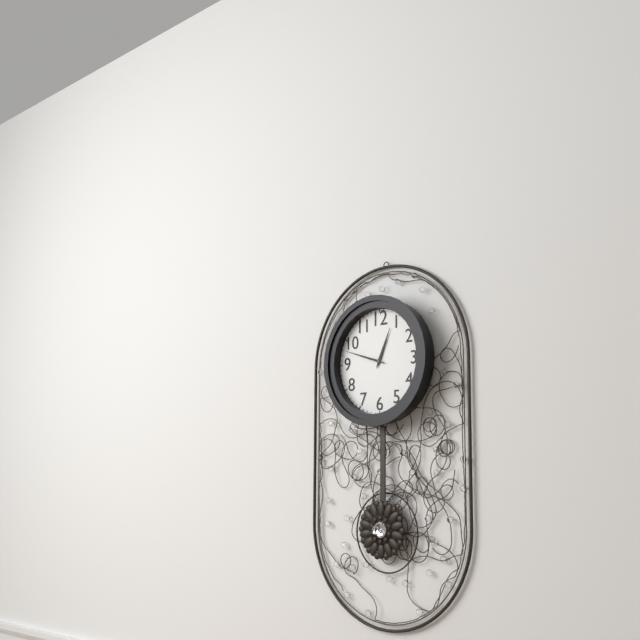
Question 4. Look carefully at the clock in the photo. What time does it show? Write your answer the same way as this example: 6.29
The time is 12.48
